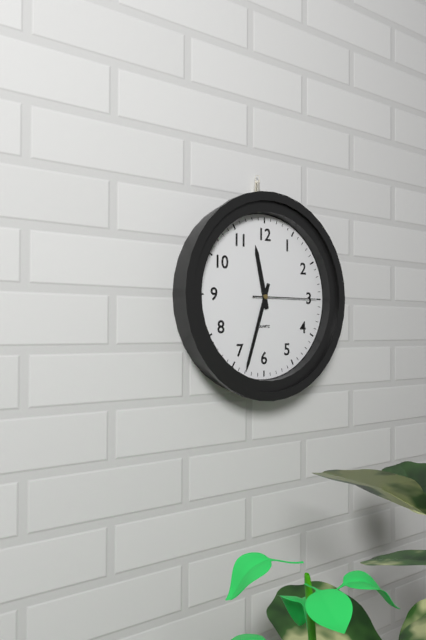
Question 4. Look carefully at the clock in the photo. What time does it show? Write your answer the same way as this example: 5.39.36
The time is 11.33.15
